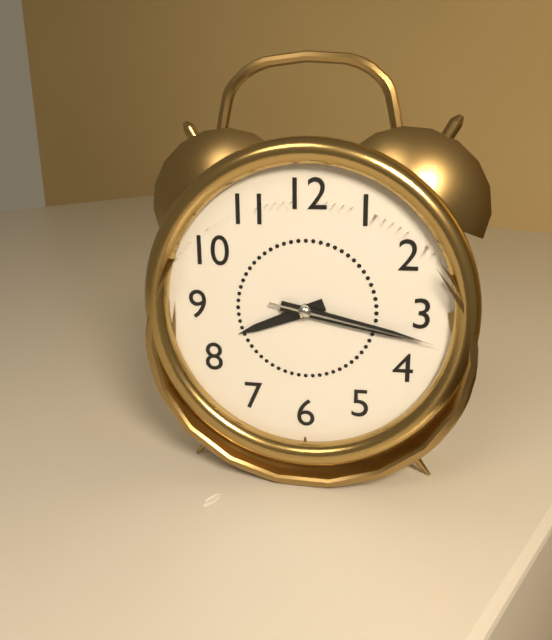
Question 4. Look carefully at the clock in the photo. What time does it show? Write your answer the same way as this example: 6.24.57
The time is 8.17.17
